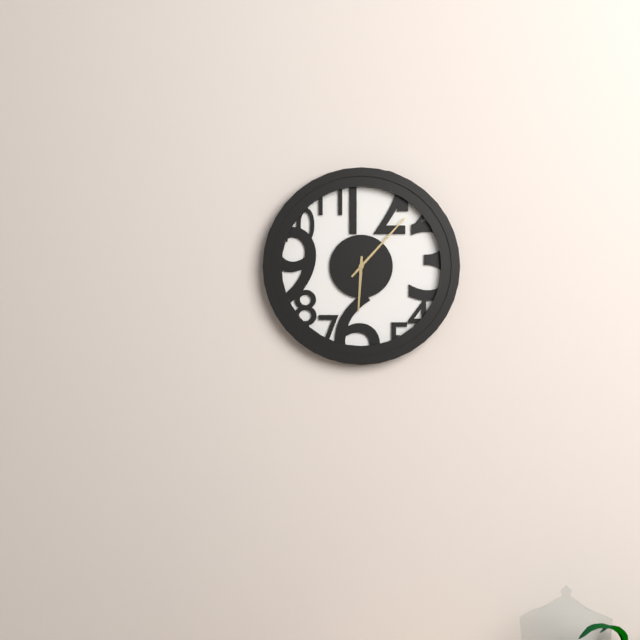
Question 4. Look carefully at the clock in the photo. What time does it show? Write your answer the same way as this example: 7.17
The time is 6.07
